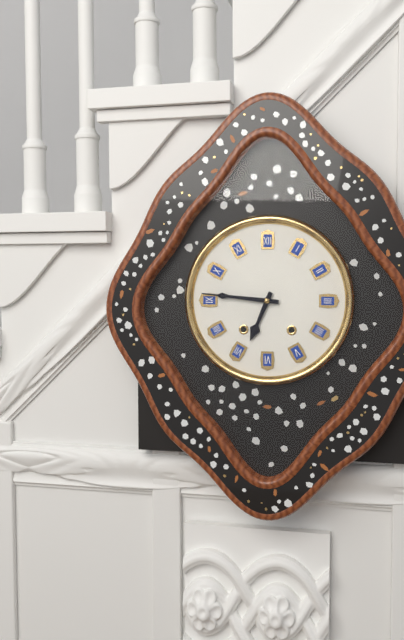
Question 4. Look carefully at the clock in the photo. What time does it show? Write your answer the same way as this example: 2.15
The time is 6.46
